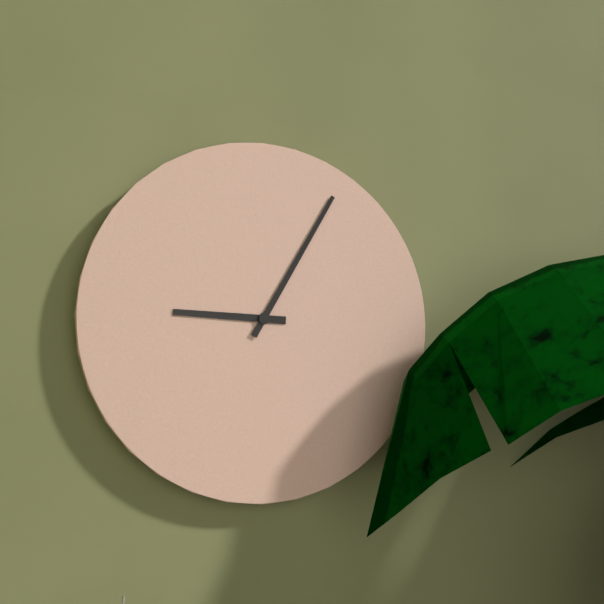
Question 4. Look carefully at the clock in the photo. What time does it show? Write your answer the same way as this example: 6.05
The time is 9.05
